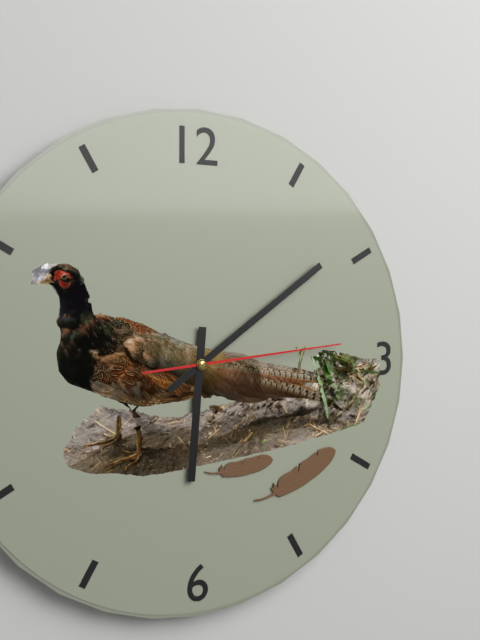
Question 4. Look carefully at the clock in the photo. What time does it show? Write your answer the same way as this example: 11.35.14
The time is 6.09.14
